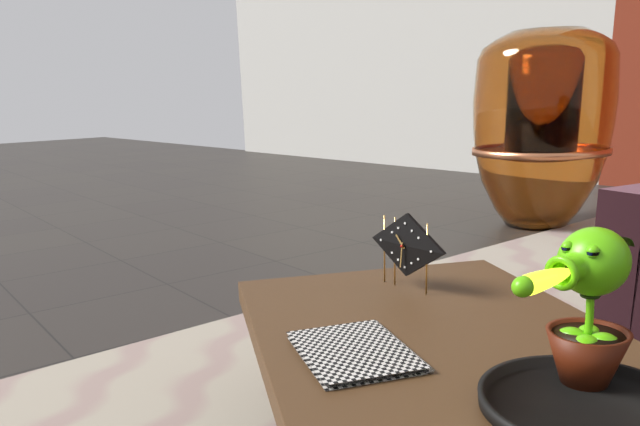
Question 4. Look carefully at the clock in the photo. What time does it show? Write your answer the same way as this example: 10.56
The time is 10.31
